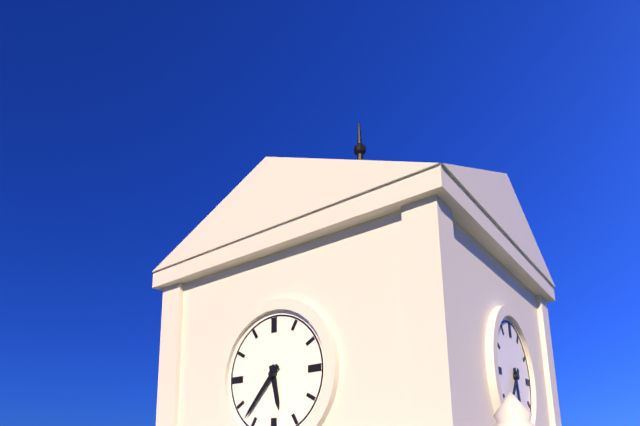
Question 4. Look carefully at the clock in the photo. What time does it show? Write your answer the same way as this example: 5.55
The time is 5.37
